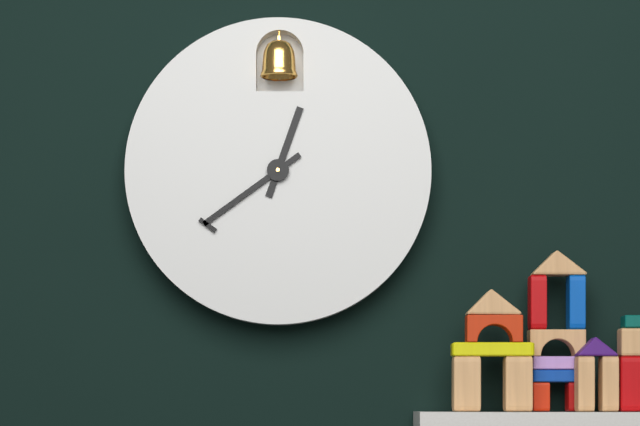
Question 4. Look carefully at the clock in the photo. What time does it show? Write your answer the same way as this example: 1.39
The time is 12.39
